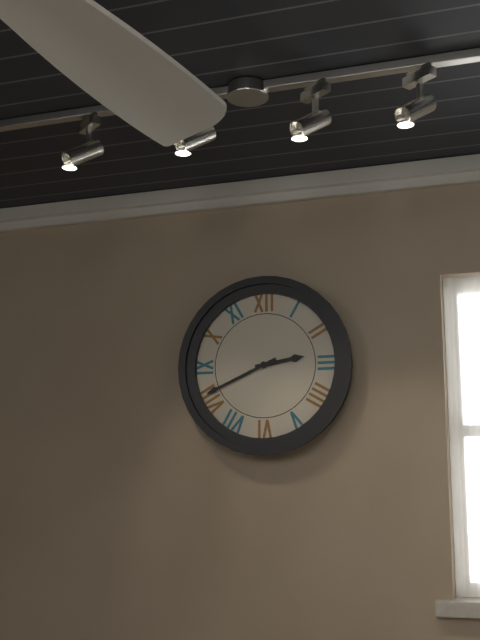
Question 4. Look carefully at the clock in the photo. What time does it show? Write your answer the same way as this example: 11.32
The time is 2.41
